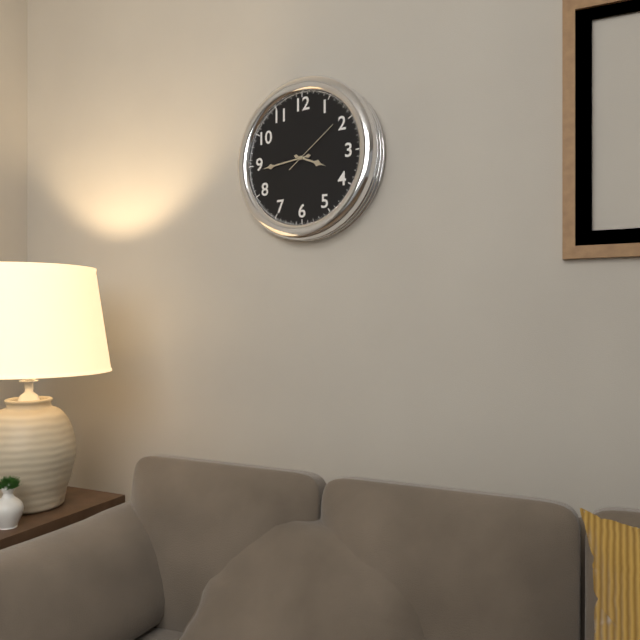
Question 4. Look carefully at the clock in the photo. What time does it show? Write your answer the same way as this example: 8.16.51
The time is 3.44.09
